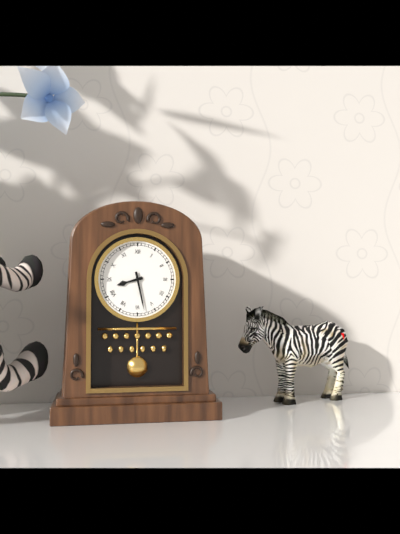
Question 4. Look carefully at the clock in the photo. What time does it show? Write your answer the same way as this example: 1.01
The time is 8.28
